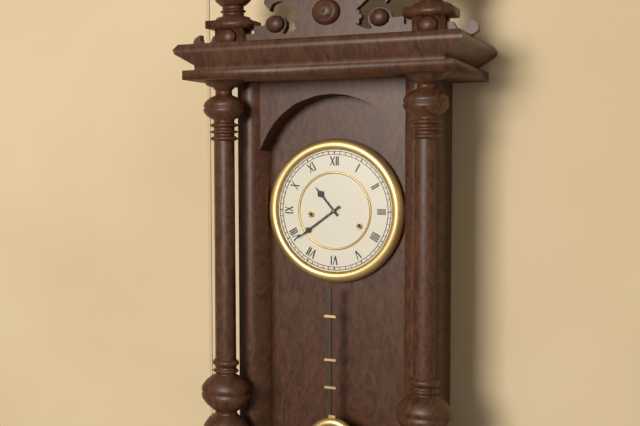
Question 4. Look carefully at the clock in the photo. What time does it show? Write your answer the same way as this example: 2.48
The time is 10.39
